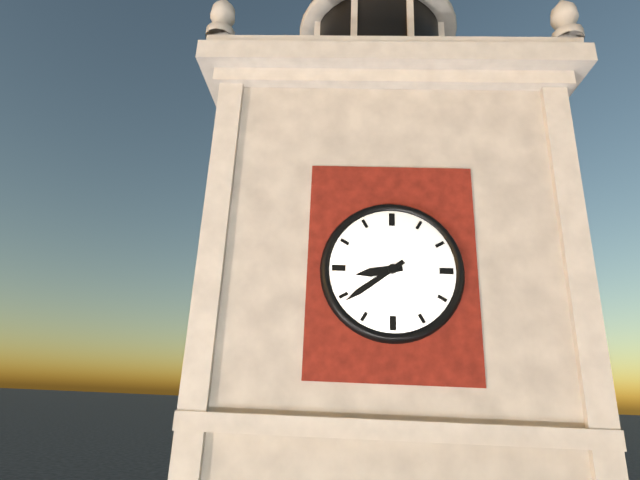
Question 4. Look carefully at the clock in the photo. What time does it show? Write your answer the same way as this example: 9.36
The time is 8.39
